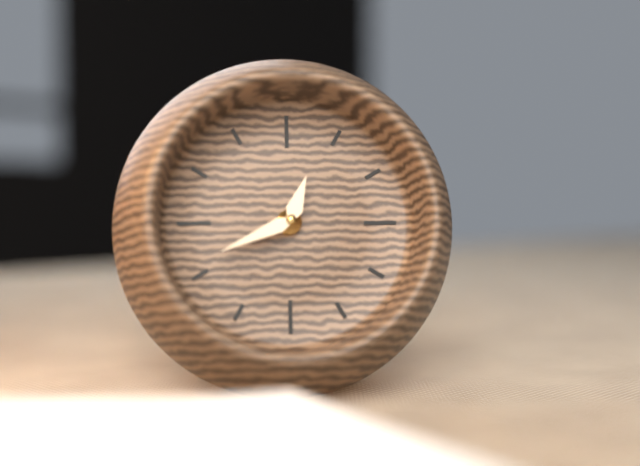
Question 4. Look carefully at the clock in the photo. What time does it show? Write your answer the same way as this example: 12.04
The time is 12.41
